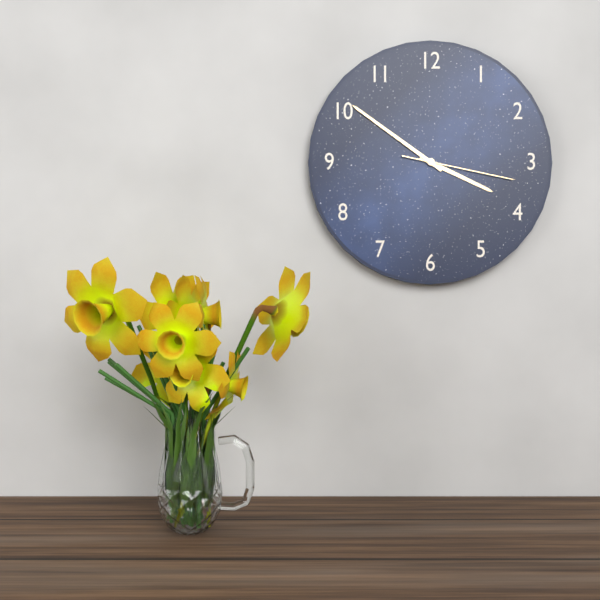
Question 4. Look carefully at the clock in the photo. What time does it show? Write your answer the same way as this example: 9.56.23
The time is 3.51.17
